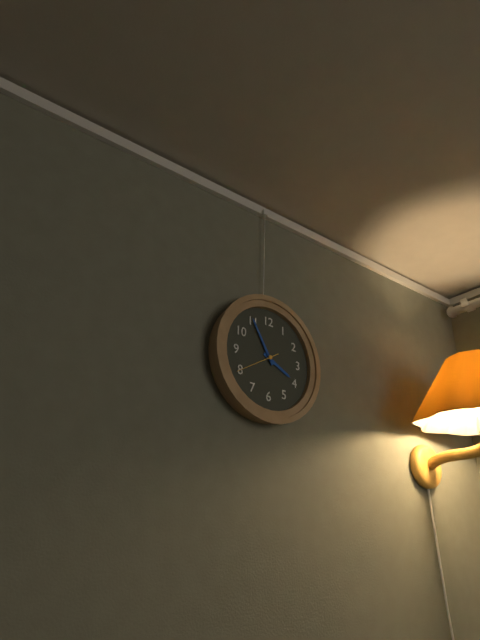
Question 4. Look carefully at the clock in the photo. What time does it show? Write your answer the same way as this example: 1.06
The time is 3.55
